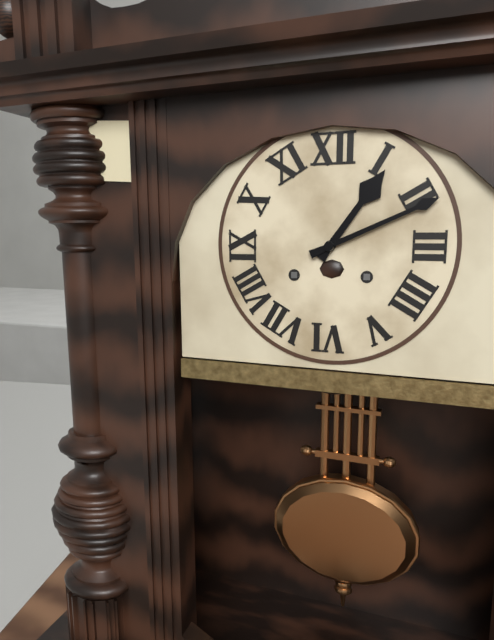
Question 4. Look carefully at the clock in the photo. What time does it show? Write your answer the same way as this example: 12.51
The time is 1.11
